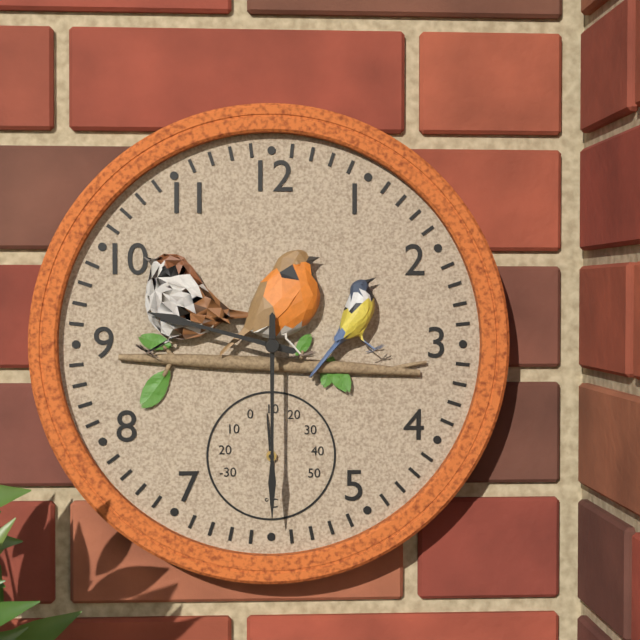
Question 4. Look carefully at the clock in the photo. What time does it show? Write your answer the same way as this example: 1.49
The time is 9.30
